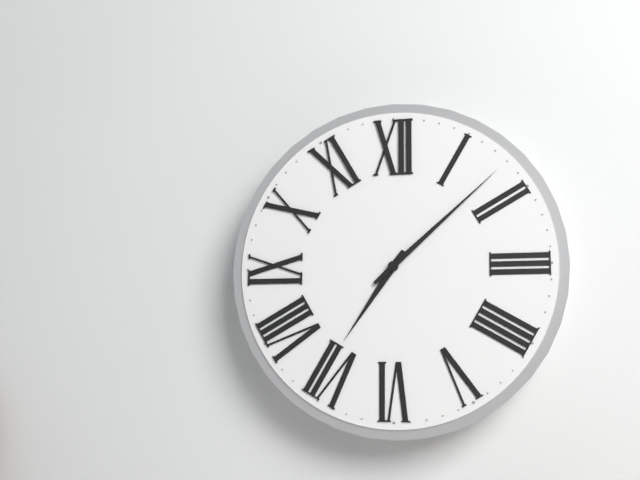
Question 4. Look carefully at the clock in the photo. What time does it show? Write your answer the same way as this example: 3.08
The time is 7.08
